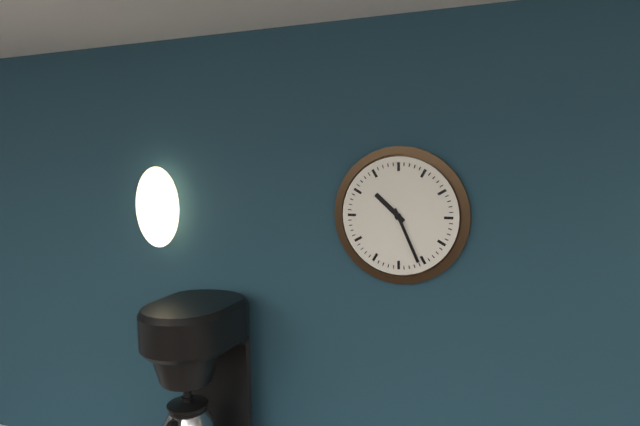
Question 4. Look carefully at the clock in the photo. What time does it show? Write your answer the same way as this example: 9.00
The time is 10.26
